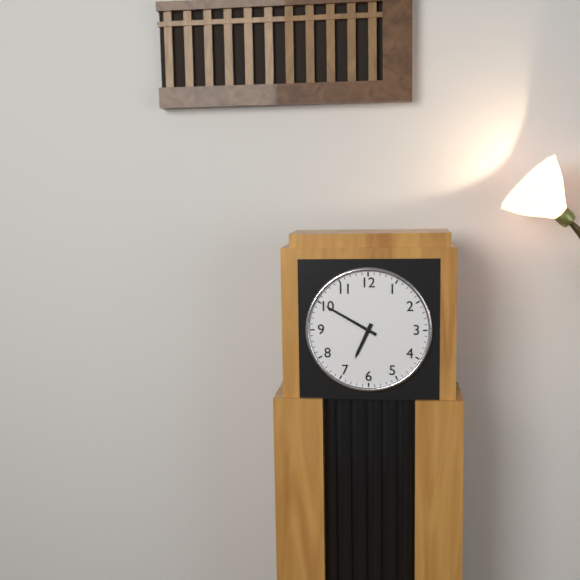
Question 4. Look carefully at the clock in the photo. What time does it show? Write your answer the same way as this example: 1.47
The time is 6.50
